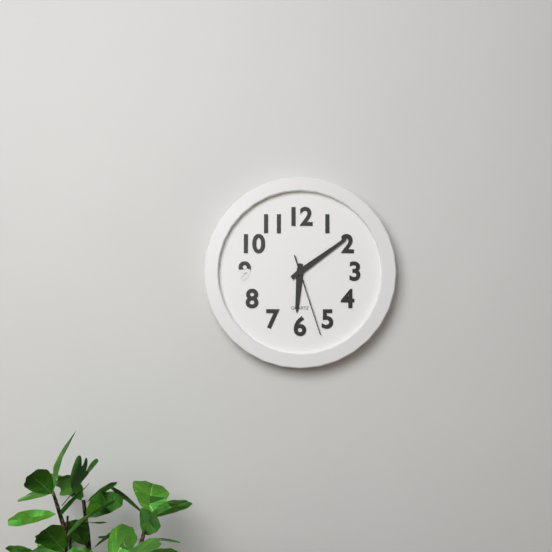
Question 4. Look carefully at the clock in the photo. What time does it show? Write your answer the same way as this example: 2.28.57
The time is 6.09.27
